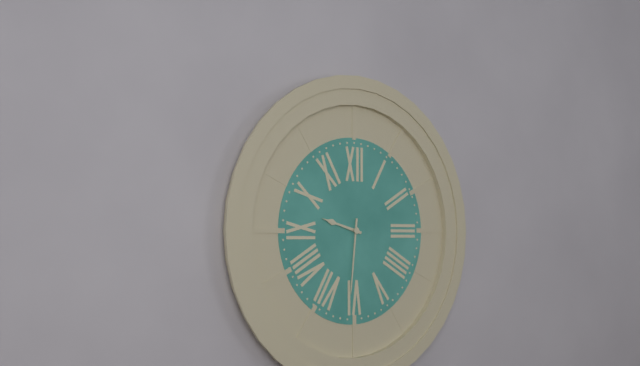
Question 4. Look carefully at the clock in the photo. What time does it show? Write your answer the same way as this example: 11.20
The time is 9.31
